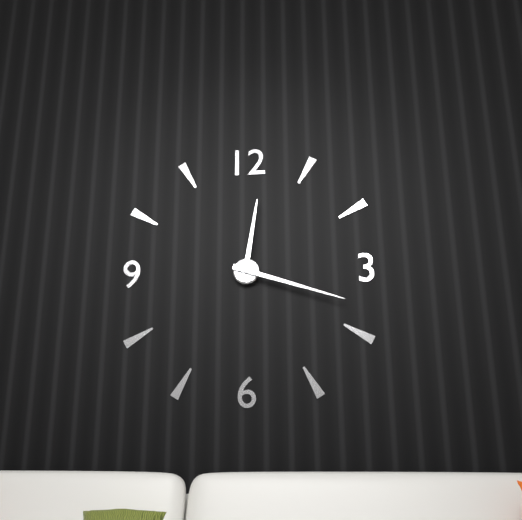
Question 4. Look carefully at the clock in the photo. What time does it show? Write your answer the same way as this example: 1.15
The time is 12.18
